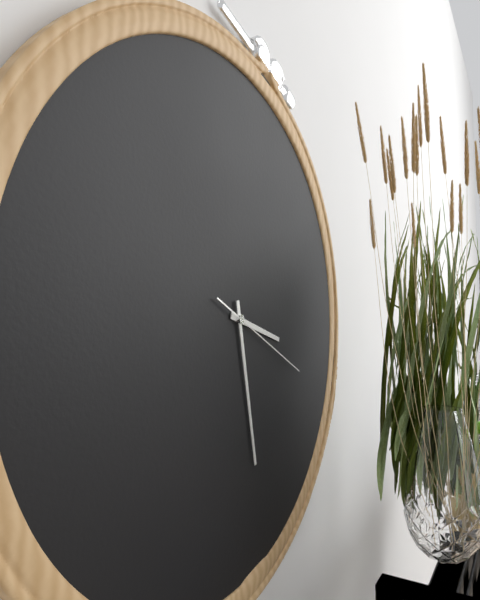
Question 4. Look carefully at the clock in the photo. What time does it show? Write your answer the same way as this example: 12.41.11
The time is 3.28.19
